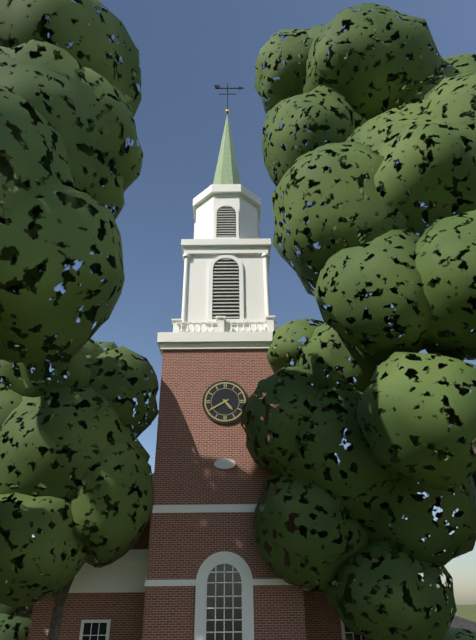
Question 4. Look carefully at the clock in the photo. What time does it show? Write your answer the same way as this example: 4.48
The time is 4.40
